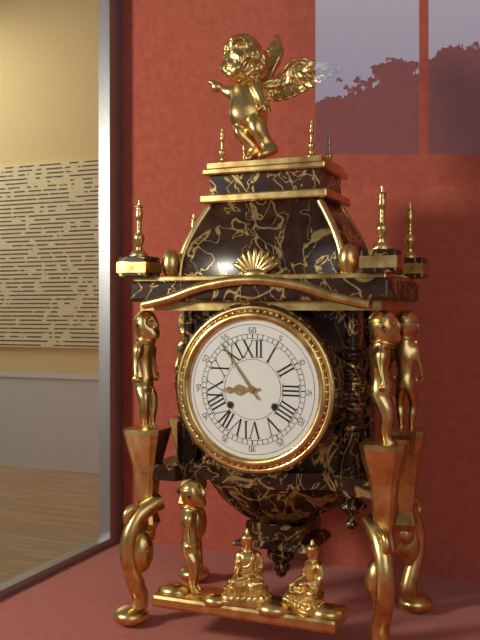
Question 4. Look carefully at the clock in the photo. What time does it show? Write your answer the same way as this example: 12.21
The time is 8.54
